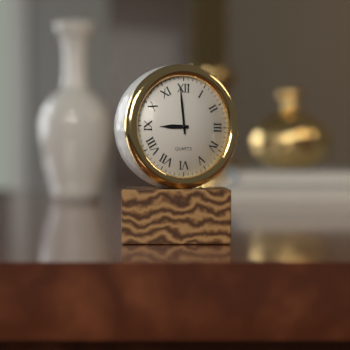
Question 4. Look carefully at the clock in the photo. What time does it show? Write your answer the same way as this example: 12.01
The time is 8.59
